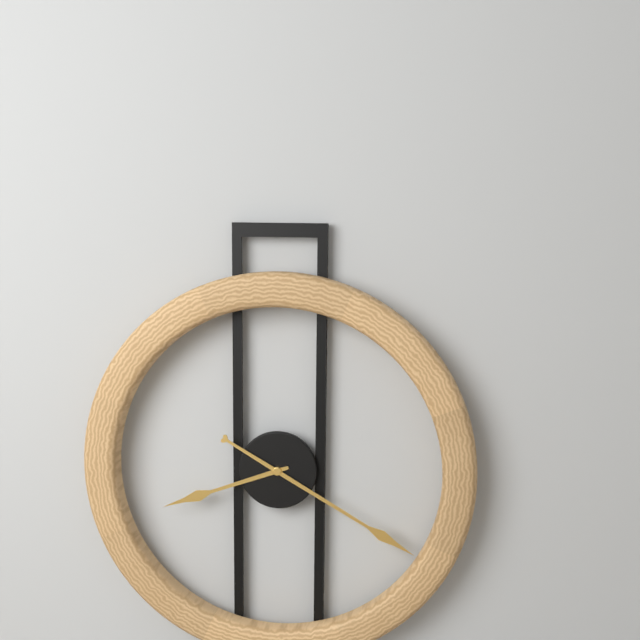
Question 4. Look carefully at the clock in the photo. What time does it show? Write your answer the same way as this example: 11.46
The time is 8.20
